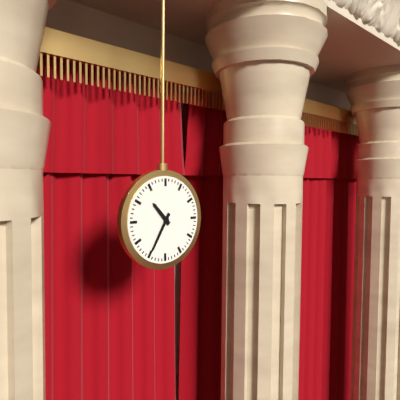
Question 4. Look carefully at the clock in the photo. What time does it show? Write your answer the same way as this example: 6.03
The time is 10.35
